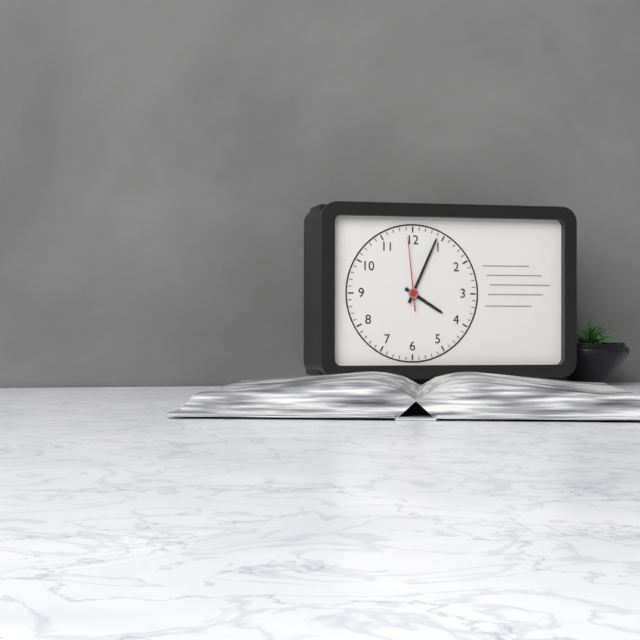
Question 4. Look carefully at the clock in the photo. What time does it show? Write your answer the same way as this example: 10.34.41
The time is 4.04.59
